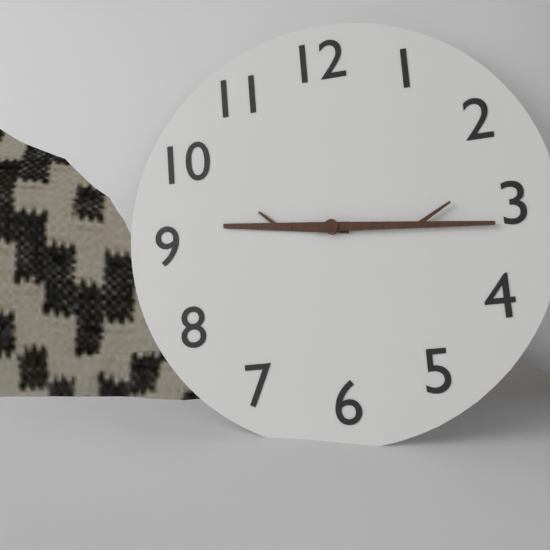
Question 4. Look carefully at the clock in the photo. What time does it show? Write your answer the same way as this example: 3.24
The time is 9.16
